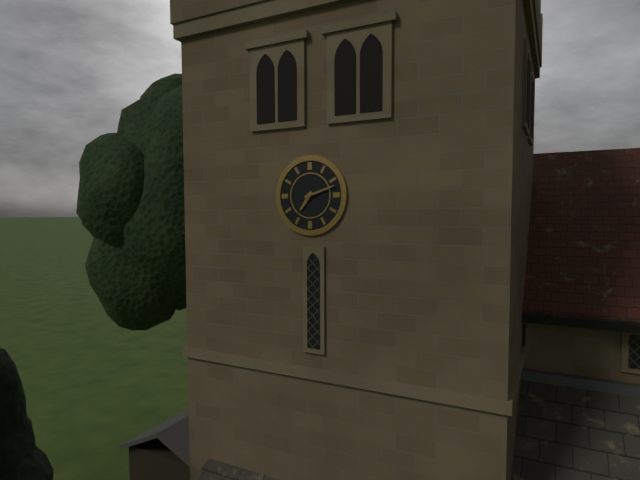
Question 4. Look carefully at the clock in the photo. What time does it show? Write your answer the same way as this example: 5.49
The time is 7.12
